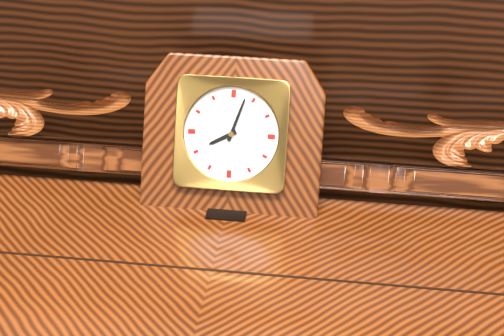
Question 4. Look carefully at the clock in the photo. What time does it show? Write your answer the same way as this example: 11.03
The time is 8.03
